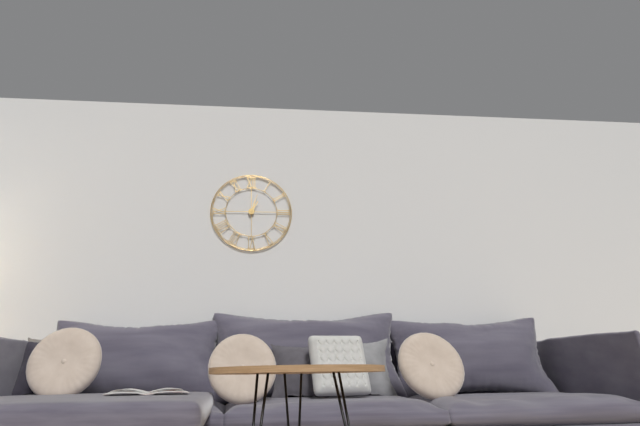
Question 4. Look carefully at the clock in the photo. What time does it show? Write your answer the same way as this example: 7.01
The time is 1.03
